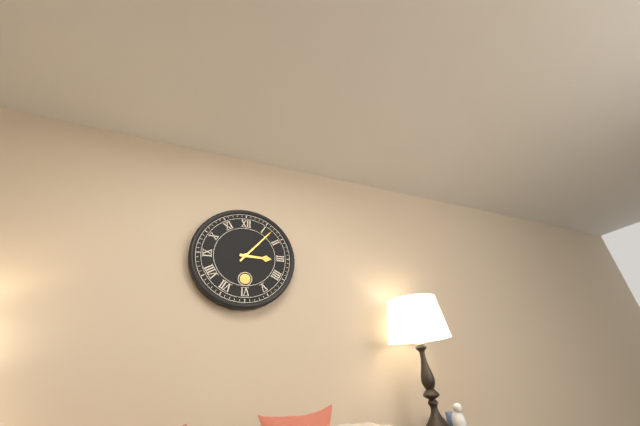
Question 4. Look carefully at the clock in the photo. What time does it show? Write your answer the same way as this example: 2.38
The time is 3.07
